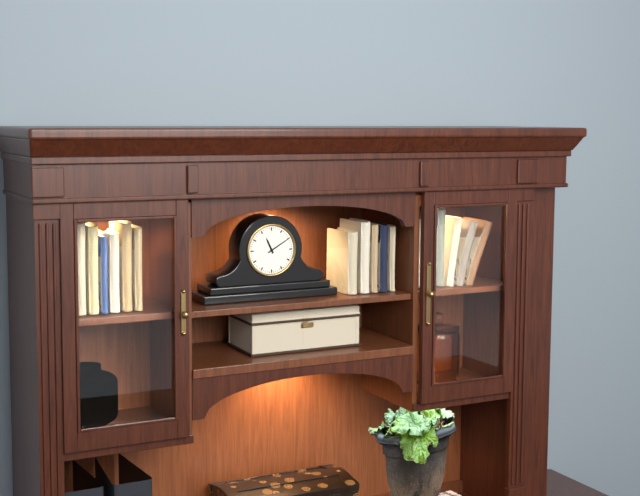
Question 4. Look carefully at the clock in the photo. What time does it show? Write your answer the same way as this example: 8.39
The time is 11.10
